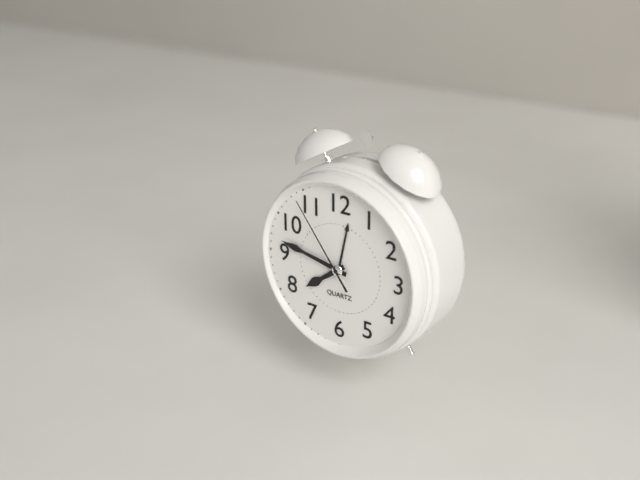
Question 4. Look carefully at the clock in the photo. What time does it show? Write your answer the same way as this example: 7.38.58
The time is 7.47.54
